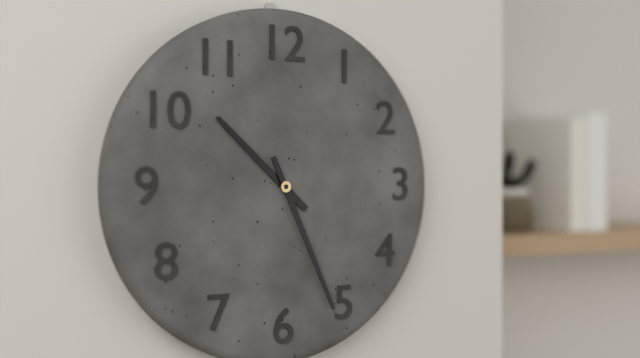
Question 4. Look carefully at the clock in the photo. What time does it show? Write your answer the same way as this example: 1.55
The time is 10.26
